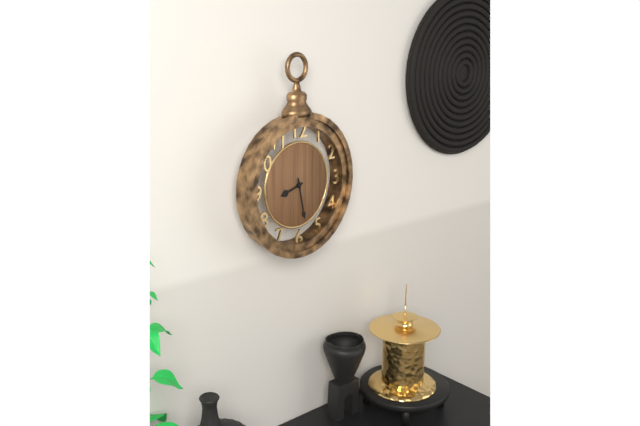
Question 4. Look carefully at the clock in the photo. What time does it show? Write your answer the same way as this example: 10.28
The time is 8.28
